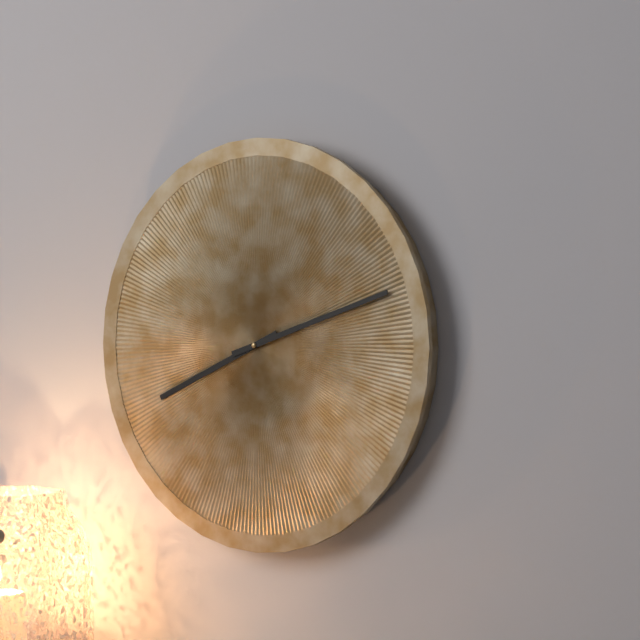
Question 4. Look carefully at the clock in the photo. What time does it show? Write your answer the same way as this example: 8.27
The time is 8.12
